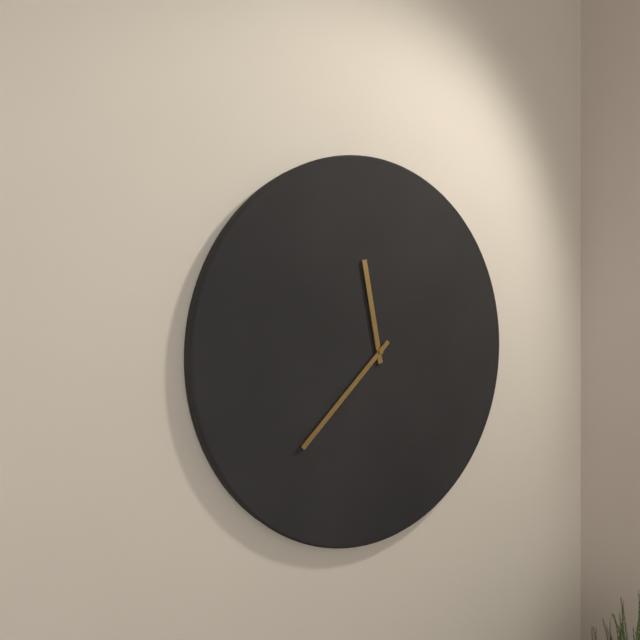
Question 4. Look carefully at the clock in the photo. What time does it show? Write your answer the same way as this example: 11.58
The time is 11.38
